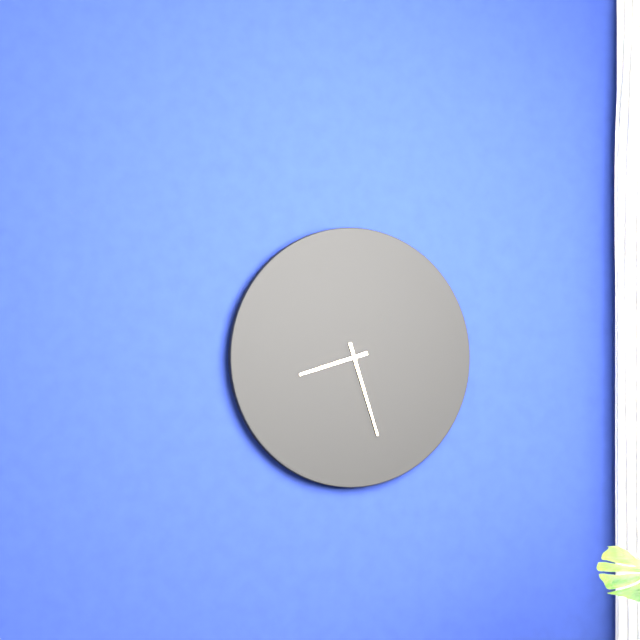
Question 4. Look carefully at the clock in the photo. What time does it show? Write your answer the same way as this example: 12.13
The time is 8.27
